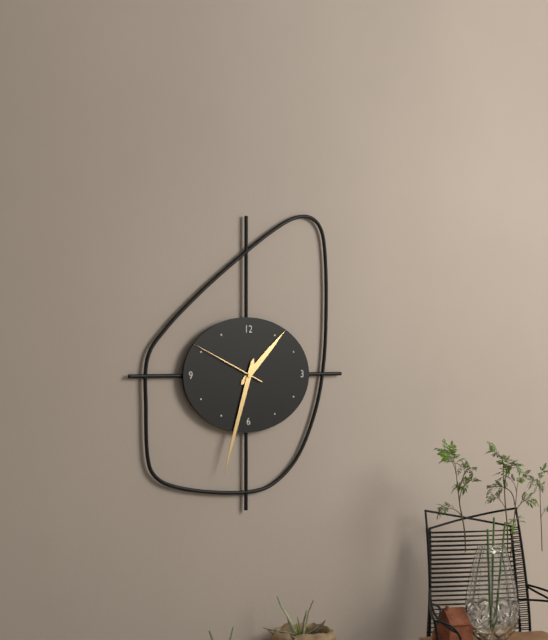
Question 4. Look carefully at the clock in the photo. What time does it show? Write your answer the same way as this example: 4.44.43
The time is 1.33.49
